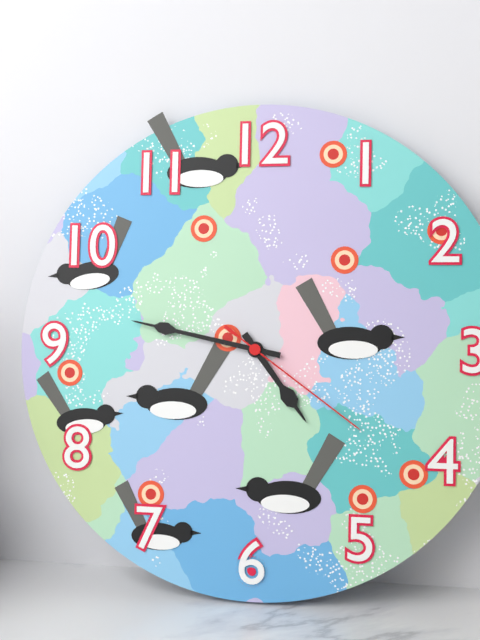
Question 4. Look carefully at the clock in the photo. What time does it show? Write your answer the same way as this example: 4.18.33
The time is 4.47.21
